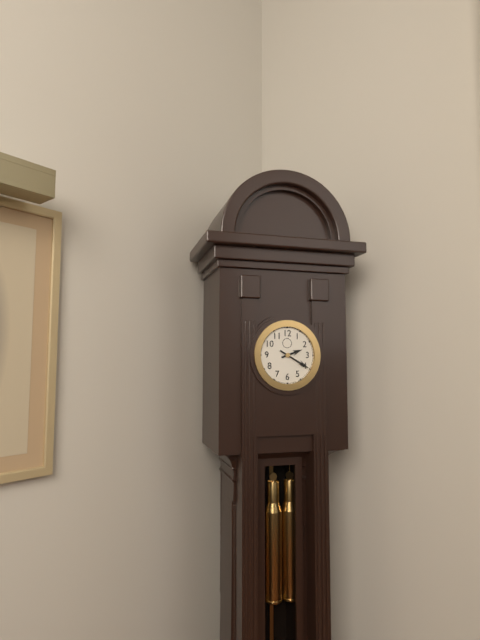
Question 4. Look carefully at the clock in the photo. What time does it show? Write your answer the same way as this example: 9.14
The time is 2.20
